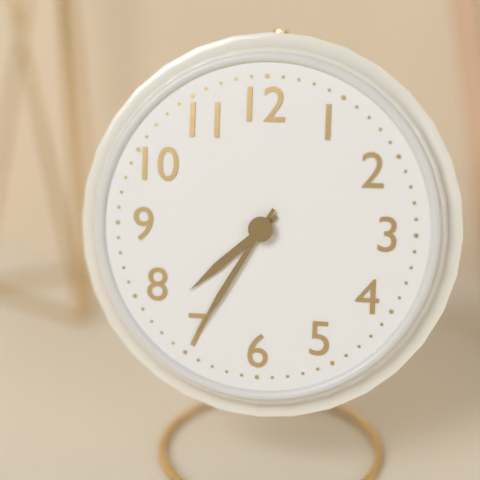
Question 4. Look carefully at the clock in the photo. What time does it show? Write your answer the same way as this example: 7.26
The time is 7.35
